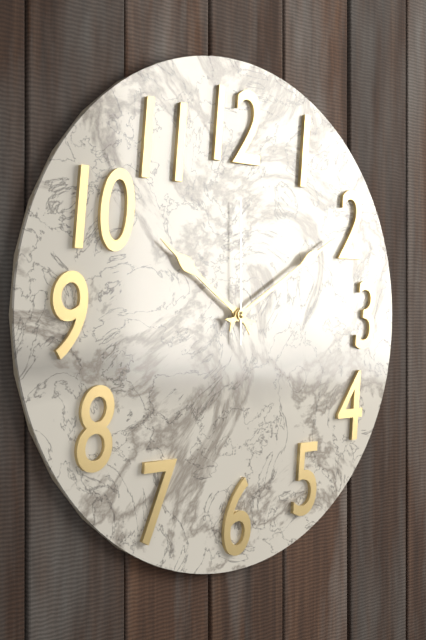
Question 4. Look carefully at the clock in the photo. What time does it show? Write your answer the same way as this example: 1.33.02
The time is 10.10.00
